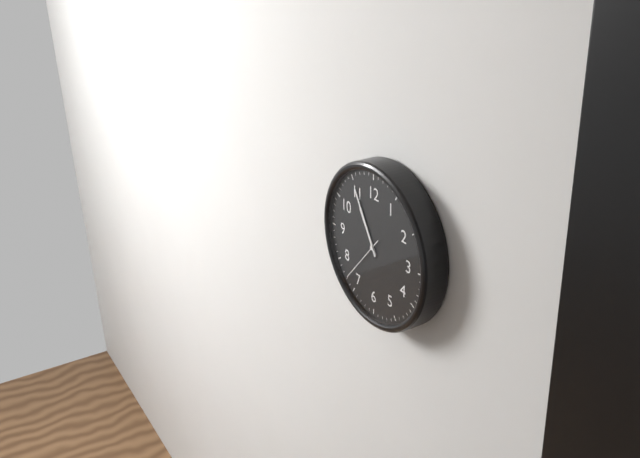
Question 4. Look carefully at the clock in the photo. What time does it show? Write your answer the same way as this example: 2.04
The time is 10.55
